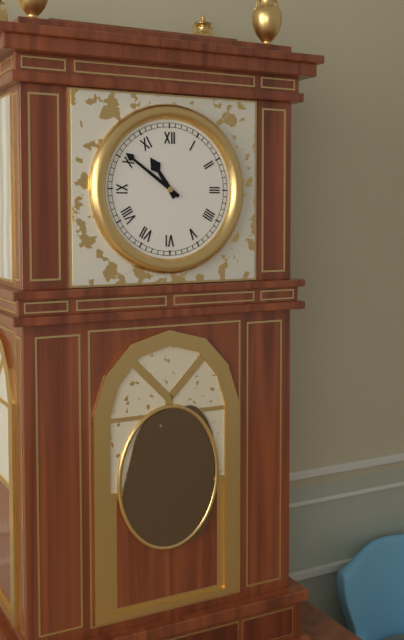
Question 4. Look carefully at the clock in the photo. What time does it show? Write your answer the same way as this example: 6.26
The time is 10.51
